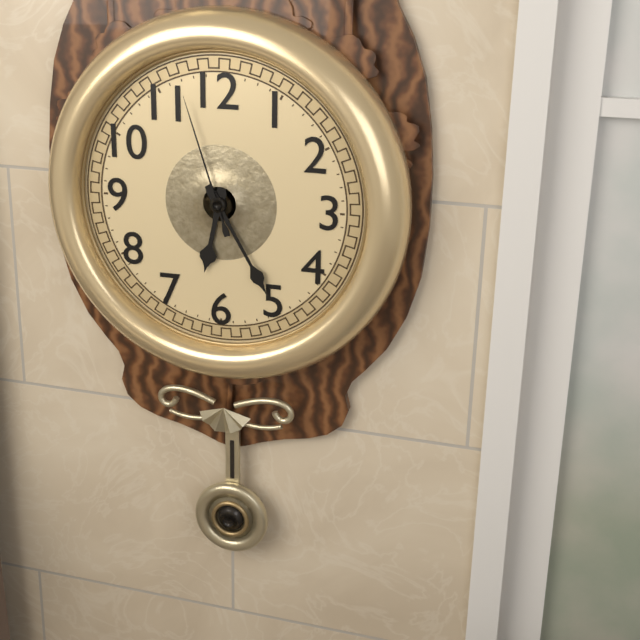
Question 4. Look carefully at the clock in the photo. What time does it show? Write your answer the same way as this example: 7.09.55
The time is 6.25.57
